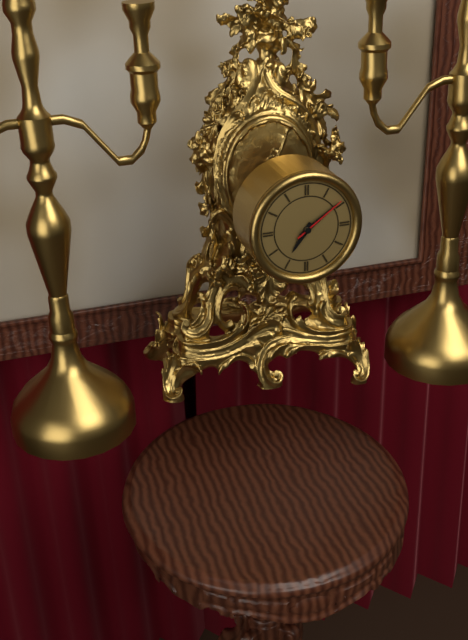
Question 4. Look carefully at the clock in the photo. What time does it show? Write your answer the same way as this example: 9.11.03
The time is 7.09.09
